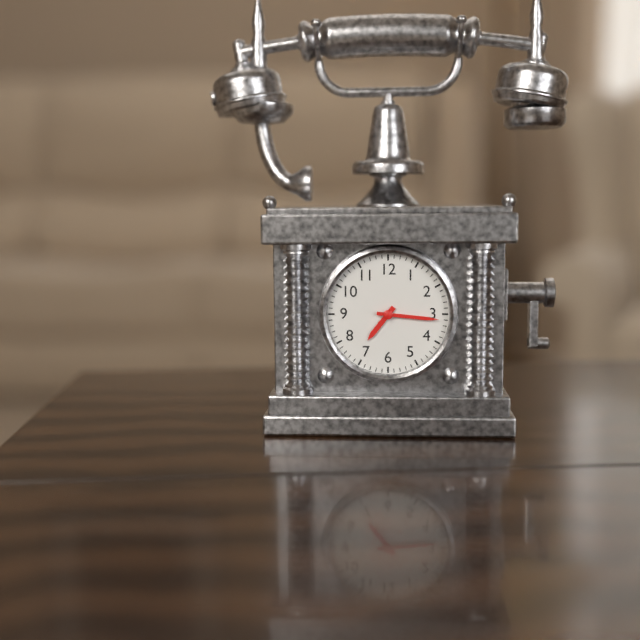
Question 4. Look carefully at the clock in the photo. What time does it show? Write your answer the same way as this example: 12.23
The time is 7.16
